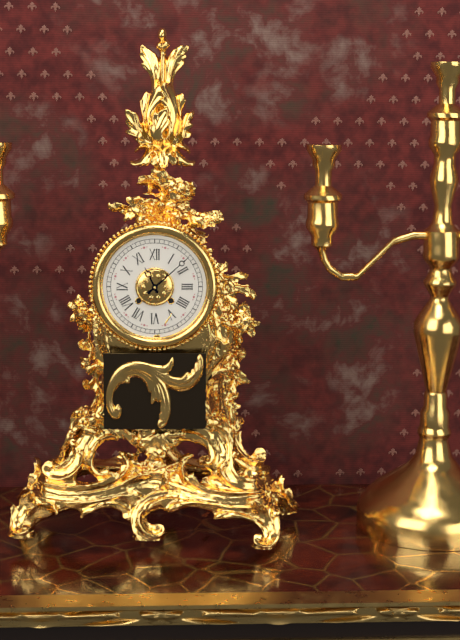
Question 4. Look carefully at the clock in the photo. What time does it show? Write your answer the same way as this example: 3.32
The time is 11.08
